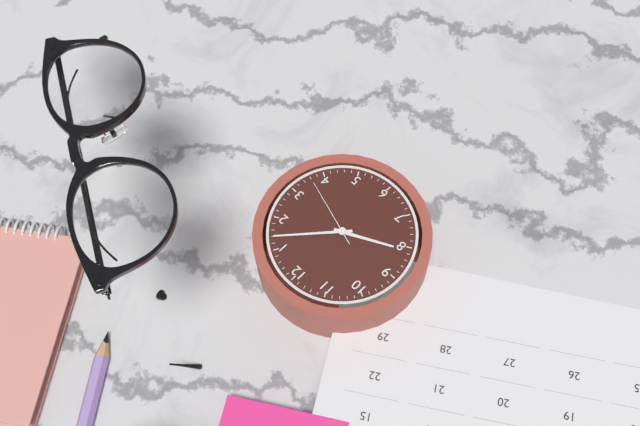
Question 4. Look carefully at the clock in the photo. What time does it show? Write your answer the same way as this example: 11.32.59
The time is 8.07.18
